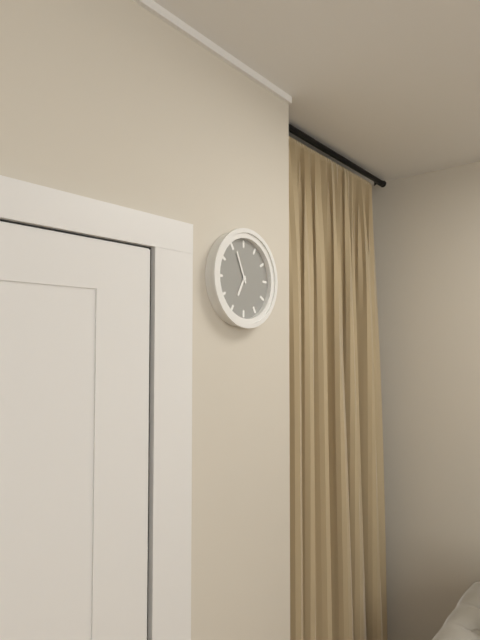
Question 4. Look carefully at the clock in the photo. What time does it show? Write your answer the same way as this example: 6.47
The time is 6.56
